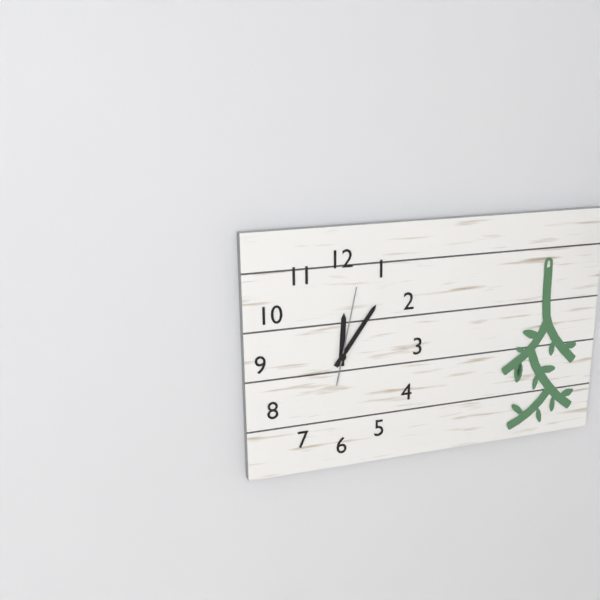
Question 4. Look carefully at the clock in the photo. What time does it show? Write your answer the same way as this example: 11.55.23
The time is 12.06.02
